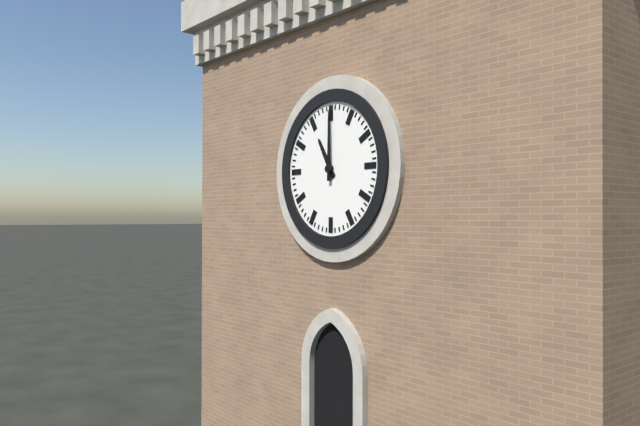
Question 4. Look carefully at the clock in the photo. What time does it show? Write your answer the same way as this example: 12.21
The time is 11.00
